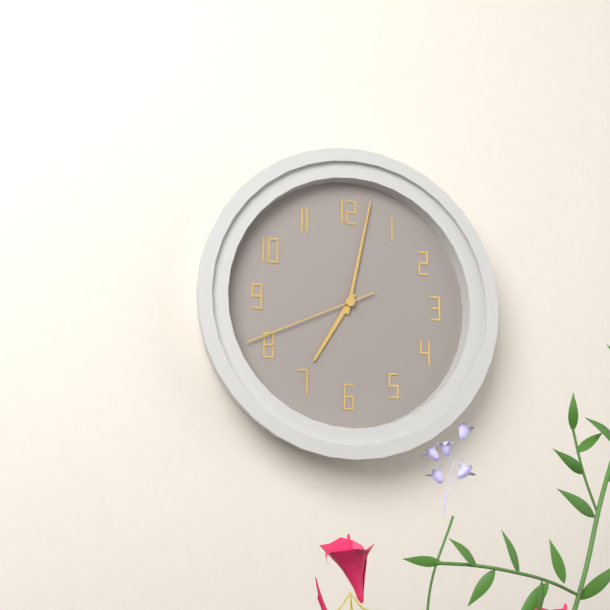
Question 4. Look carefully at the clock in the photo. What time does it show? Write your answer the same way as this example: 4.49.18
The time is 7.02.41
